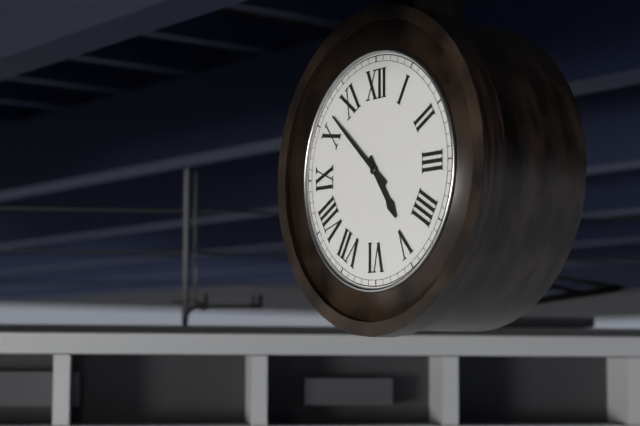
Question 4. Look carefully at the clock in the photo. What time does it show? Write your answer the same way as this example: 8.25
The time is 4.52
